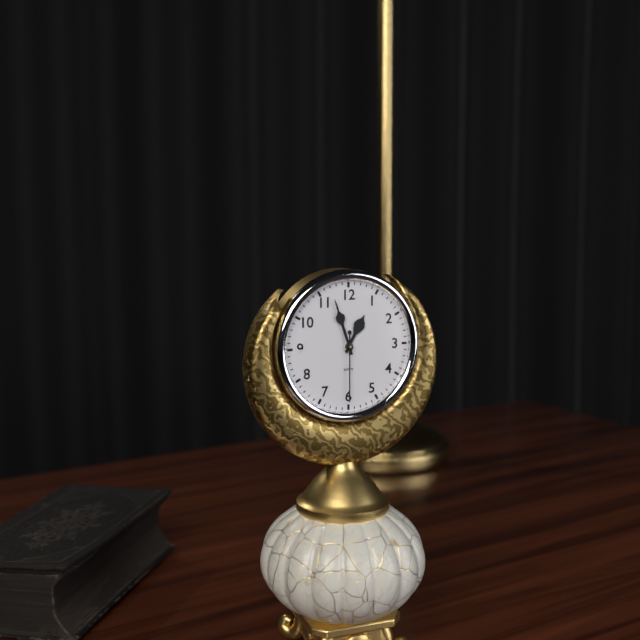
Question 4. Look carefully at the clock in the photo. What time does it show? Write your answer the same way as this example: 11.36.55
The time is 12.57.30
